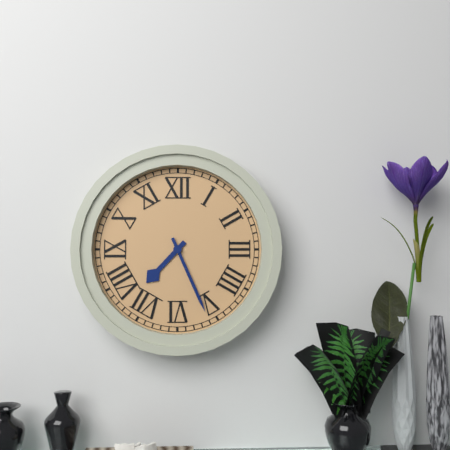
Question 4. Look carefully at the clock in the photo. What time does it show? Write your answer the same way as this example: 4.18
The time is 7.26
